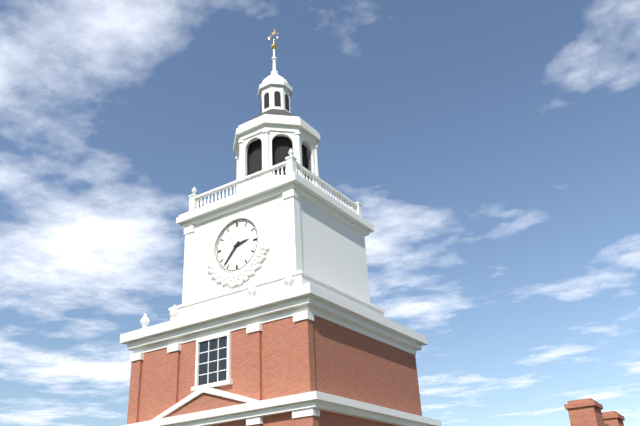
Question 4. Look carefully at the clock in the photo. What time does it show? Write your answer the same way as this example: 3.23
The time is 2.37
